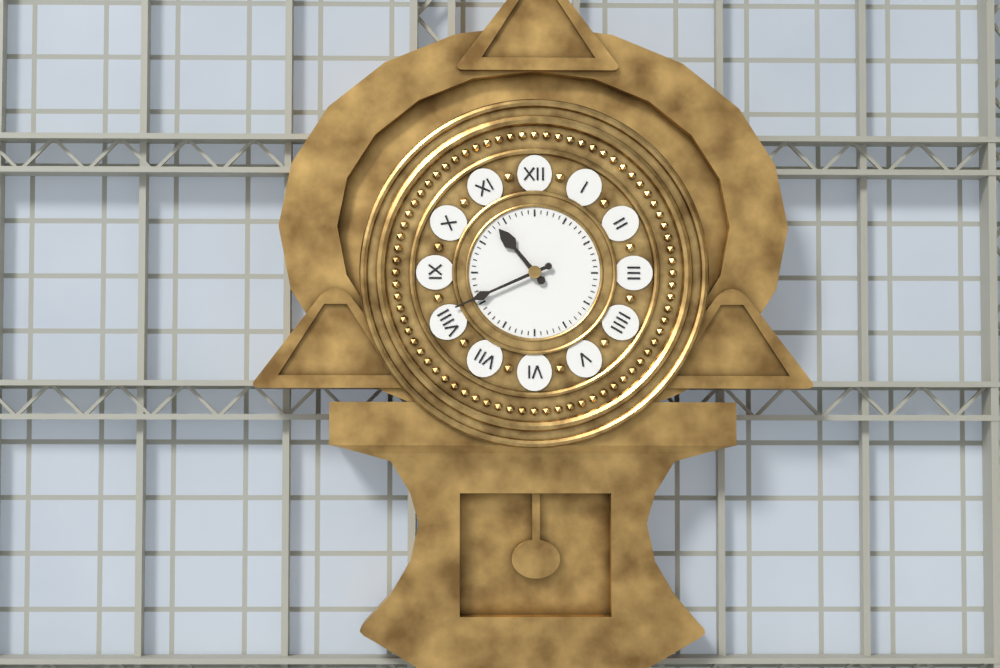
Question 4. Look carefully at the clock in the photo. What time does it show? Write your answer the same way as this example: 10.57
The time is 10.41
